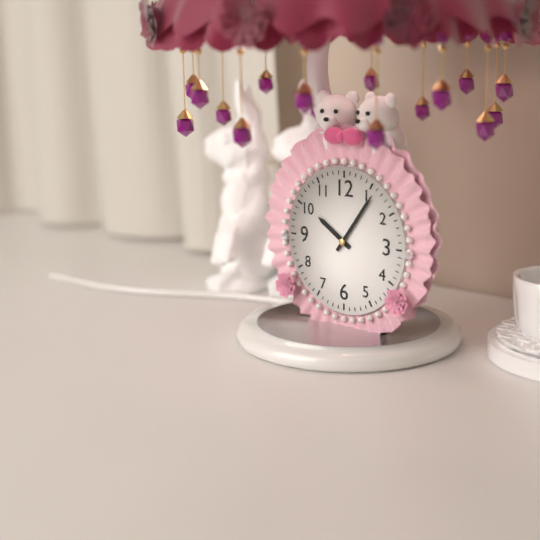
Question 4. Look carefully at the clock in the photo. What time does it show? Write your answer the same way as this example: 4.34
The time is 10.06
